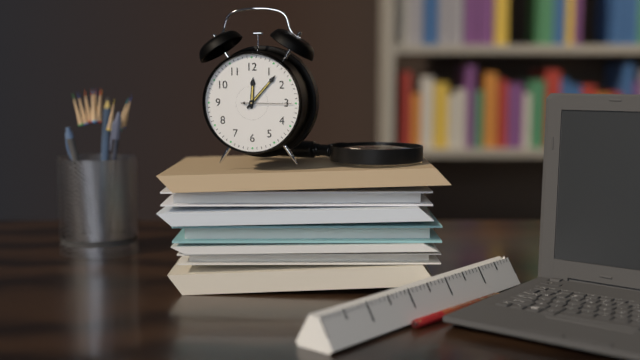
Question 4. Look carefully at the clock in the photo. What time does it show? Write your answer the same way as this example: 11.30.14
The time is 12.07.15
